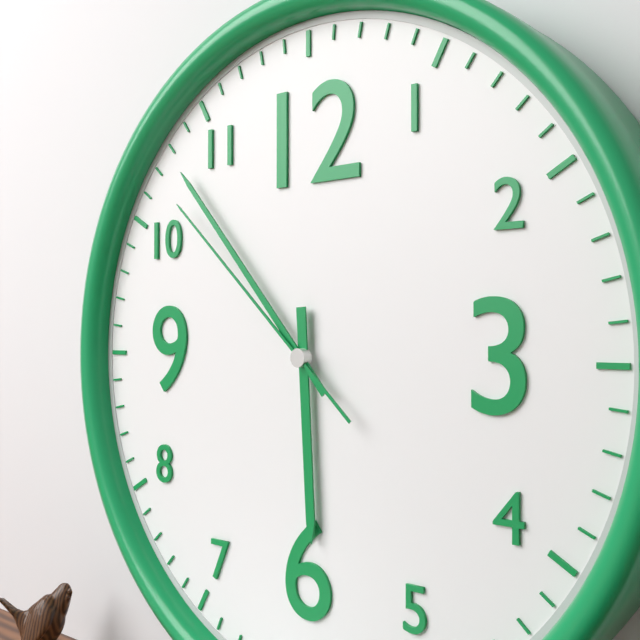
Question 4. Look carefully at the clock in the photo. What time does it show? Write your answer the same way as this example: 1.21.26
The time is 5.53.52
